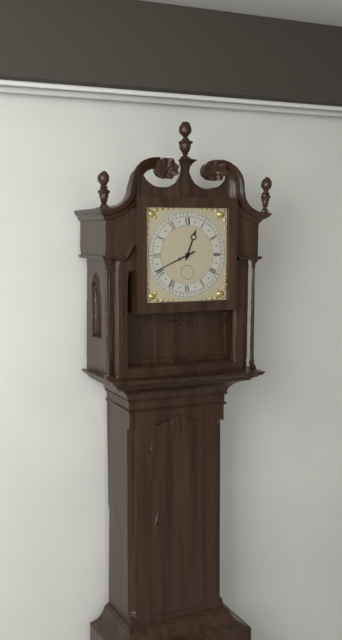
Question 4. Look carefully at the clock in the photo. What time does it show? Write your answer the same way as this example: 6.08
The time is 12.41
